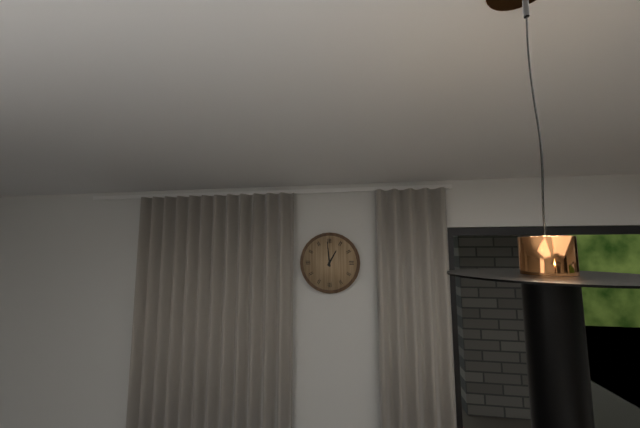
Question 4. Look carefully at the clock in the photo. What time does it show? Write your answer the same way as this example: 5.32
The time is 12.59
